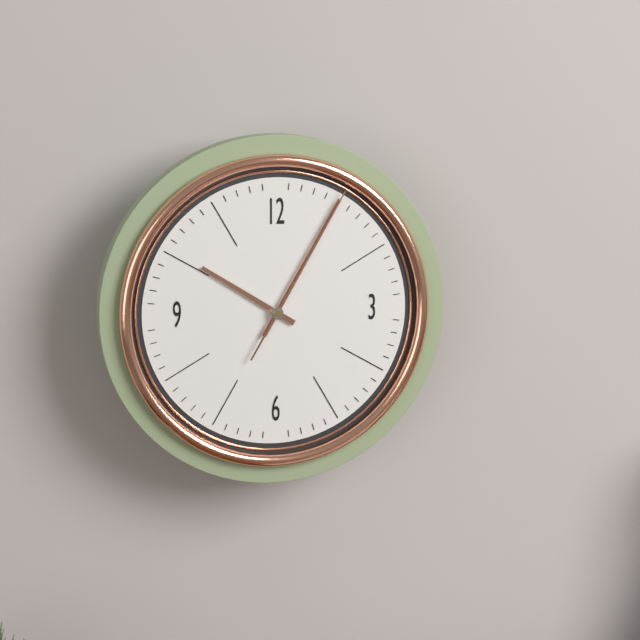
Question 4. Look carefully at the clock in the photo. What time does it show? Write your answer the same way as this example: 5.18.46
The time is 10.05.05
